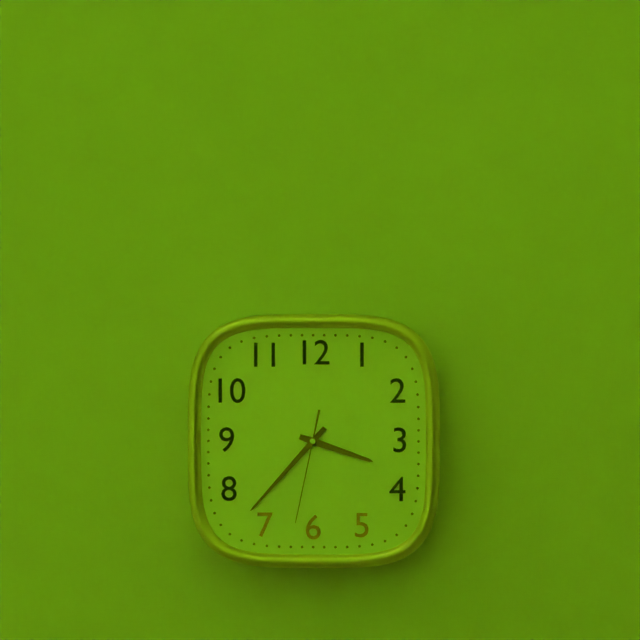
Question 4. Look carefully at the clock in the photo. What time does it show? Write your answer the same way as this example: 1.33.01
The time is 3.37.32
